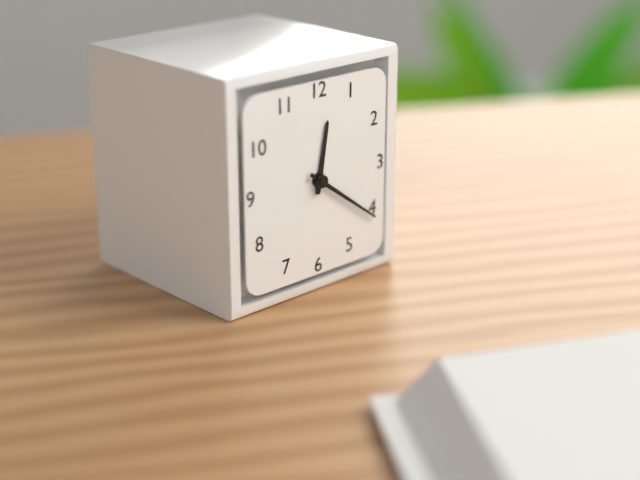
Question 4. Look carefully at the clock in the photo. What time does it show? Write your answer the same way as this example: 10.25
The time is 12.21
